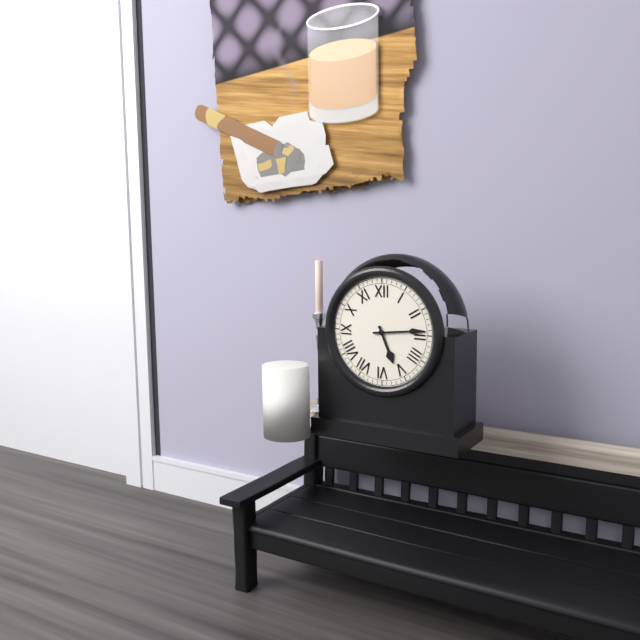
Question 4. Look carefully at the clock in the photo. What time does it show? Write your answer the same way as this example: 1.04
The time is 5.14
